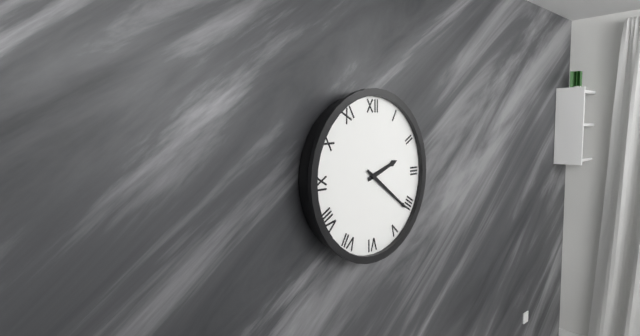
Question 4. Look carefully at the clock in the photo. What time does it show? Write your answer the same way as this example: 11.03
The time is 2.21
